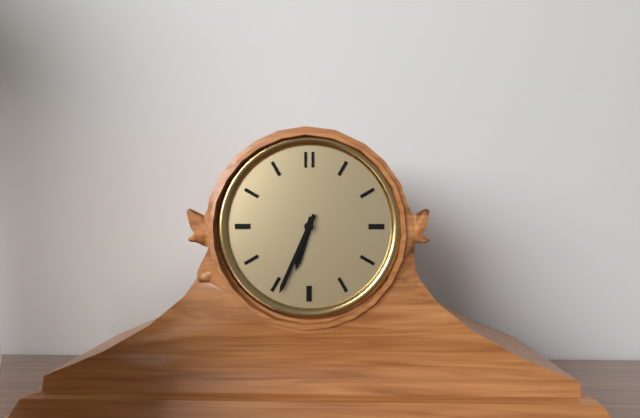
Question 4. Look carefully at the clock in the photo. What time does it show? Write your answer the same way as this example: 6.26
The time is 6.34
